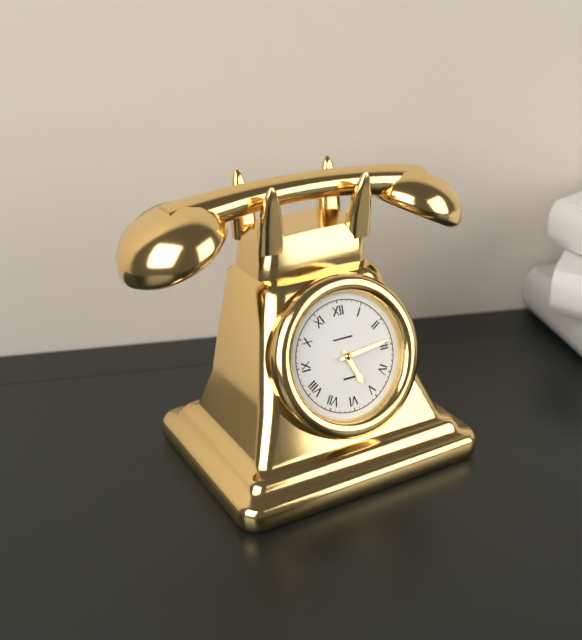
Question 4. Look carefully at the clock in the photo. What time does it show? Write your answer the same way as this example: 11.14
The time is 5.14
